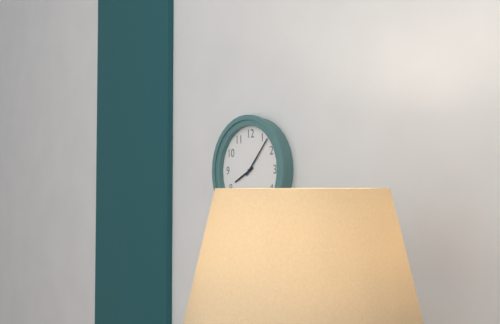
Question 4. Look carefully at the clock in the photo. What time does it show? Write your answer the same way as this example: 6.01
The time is 8.07
